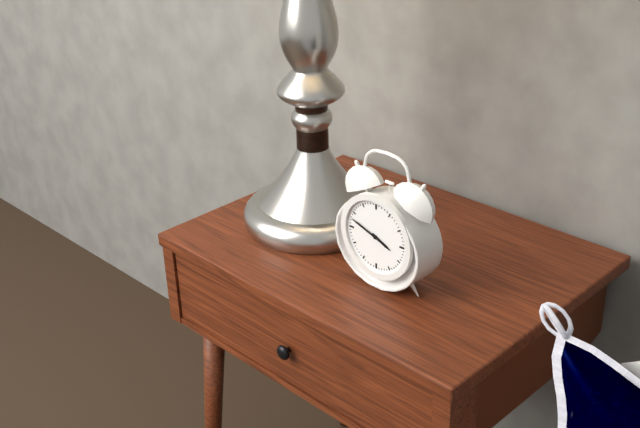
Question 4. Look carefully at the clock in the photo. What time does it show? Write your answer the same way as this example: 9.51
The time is 3.48
